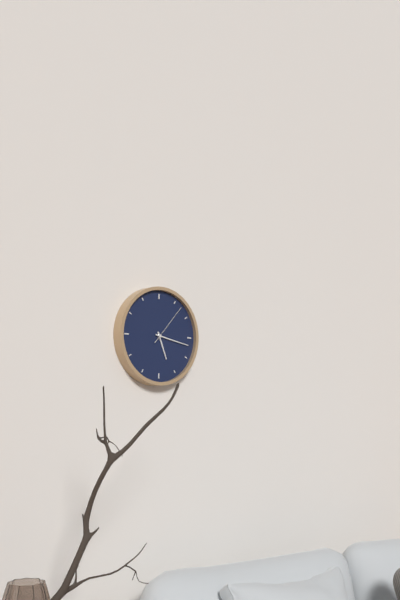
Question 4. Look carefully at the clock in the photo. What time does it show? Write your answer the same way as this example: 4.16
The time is 5.17
